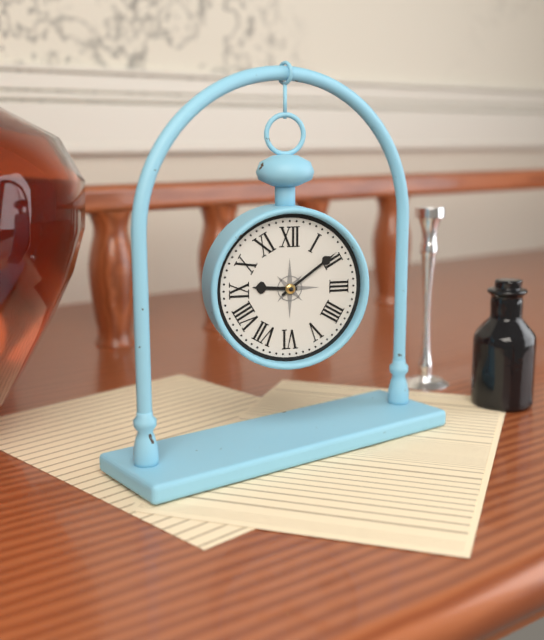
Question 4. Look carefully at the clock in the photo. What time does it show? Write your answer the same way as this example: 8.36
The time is 9.09
